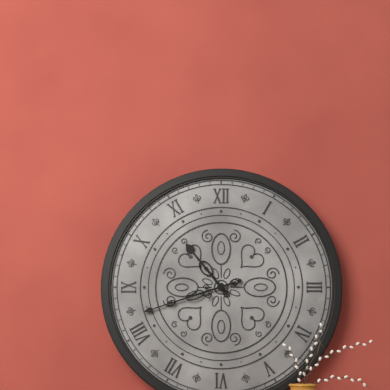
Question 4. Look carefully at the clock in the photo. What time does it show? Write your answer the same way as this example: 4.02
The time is 10.42
